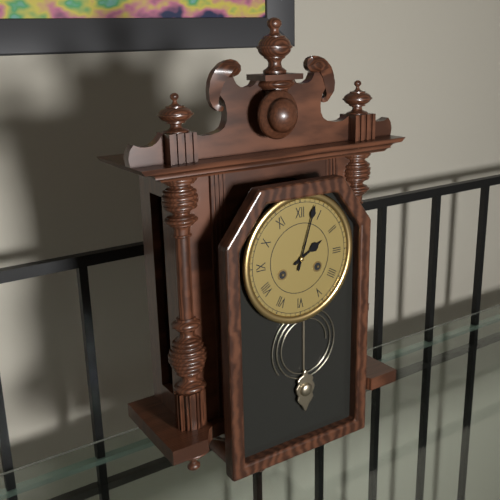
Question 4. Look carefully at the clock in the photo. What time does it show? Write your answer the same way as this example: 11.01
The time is 2.03
